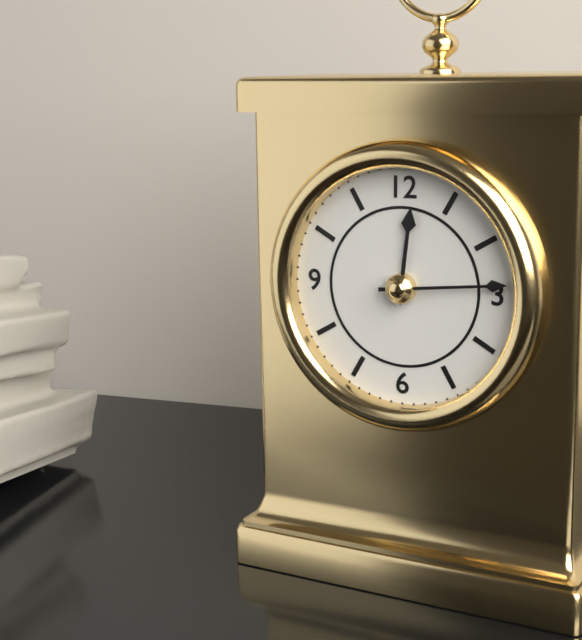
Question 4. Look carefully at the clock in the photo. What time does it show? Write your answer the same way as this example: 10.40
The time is 12.14
